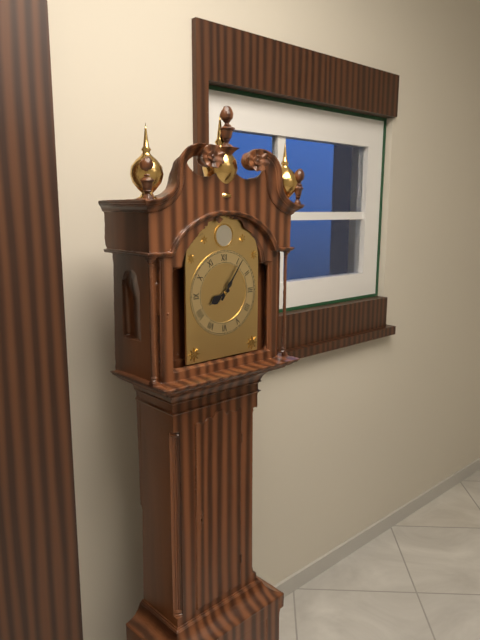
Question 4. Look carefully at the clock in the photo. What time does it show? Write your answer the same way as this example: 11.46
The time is 8.06
